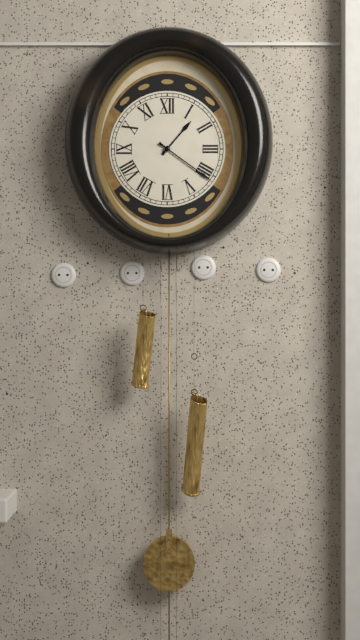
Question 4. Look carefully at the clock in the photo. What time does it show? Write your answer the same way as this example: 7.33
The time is 1.21
